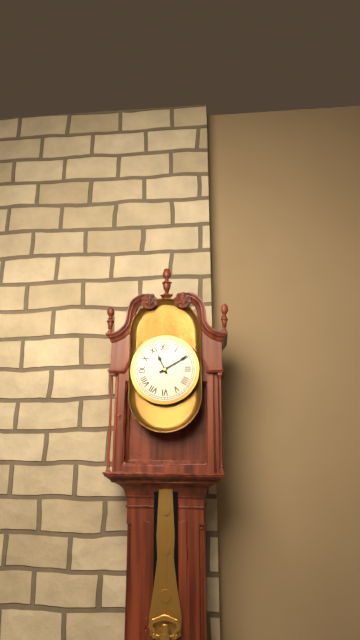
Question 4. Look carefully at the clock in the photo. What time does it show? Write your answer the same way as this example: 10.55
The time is 11.10
